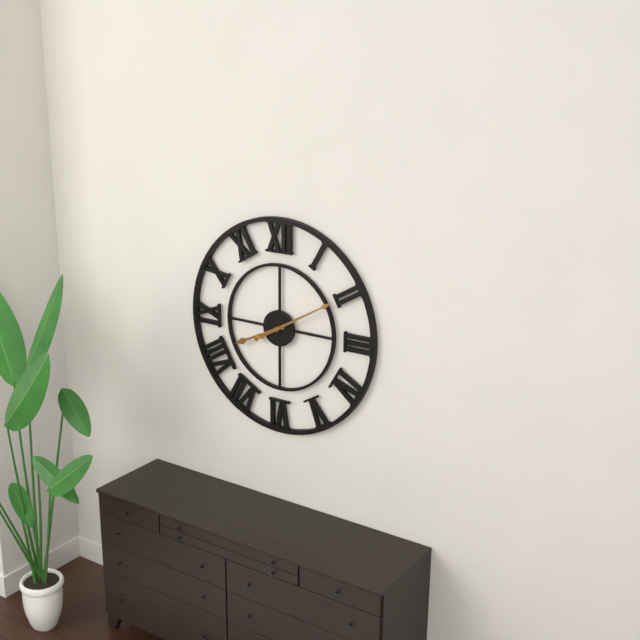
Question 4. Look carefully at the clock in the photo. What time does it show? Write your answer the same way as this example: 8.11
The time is 8.10
